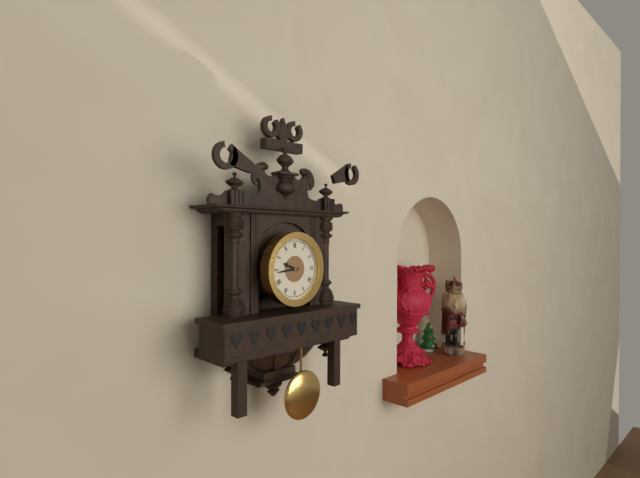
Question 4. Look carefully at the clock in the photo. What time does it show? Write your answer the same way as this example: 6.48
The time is 9.44
